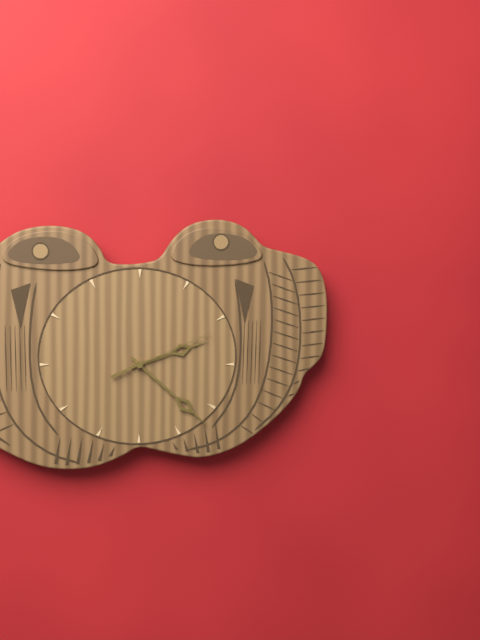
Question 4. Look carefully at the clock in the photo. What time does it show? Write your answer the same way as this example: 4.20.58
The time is 2.22.11
